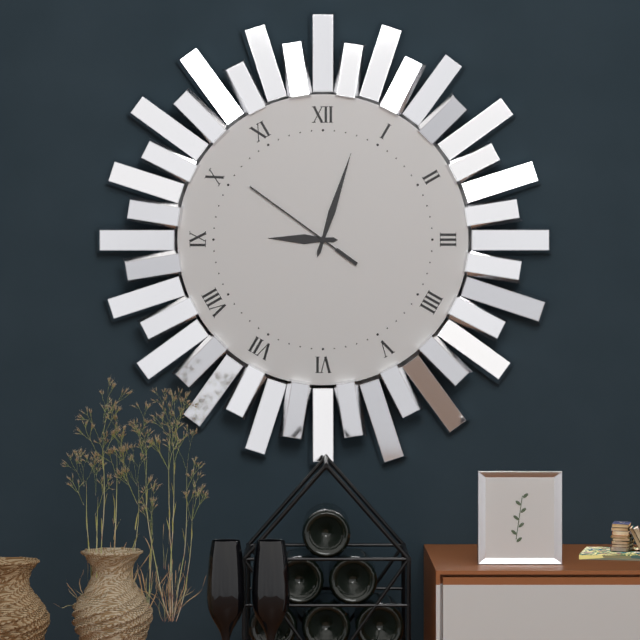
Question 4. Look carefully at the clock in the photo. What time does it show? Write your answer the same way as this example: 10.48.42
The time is 9.03.51
